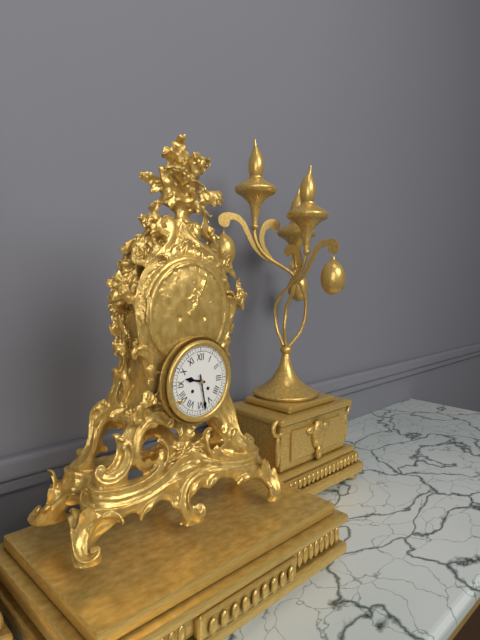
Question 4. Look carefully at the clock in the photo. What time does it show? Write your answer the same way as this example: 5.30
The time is 9.28
